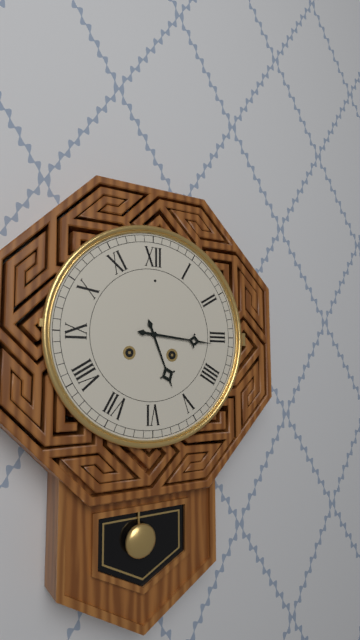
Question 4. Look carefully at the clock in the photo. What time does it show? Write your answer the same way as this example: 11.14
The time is 5.16
